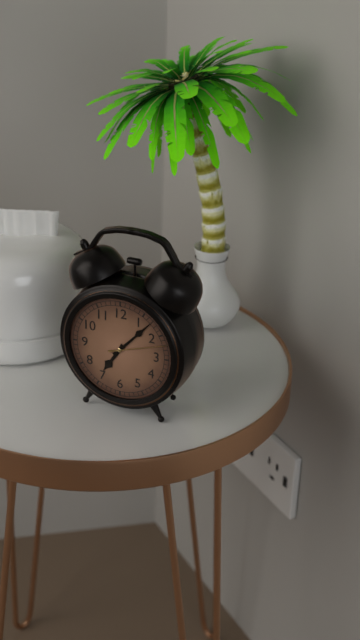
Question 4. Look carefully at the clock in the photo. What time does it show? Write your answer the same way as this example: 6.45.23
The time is 7.07.12
